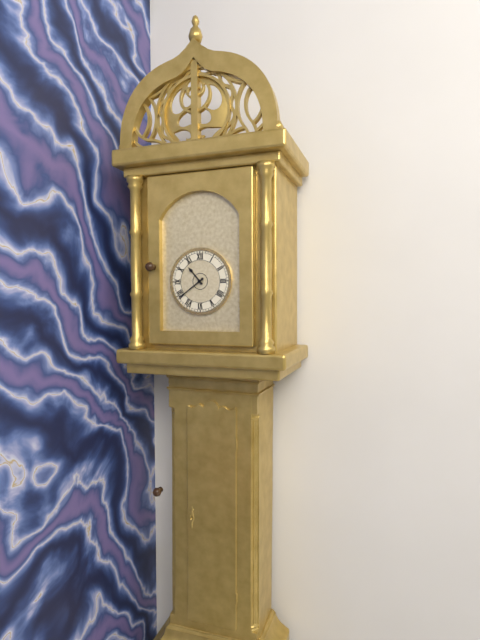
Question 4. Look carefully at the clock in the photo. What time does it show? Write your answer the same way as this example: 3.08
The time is 10.39
